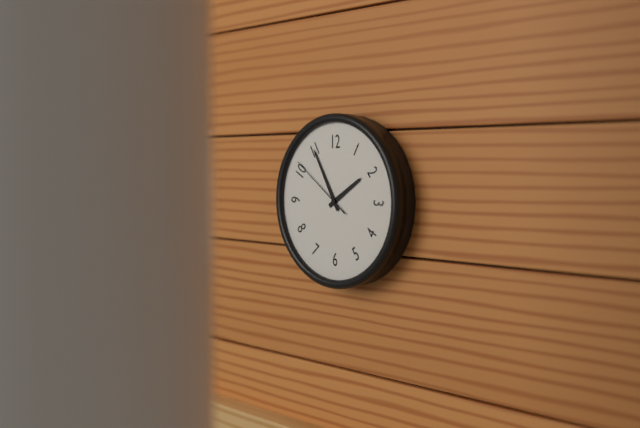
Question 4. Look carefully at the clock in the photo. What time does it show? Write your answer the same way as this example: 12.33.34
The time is 1.55.51
